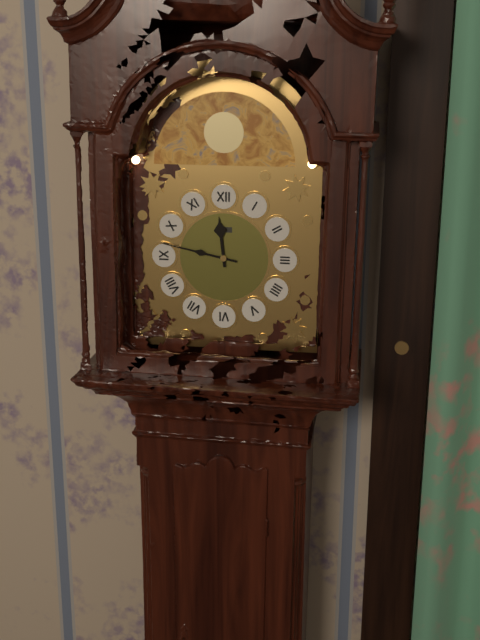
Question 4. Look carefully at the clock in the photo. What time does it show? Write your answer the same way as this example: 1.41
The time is 11.47
